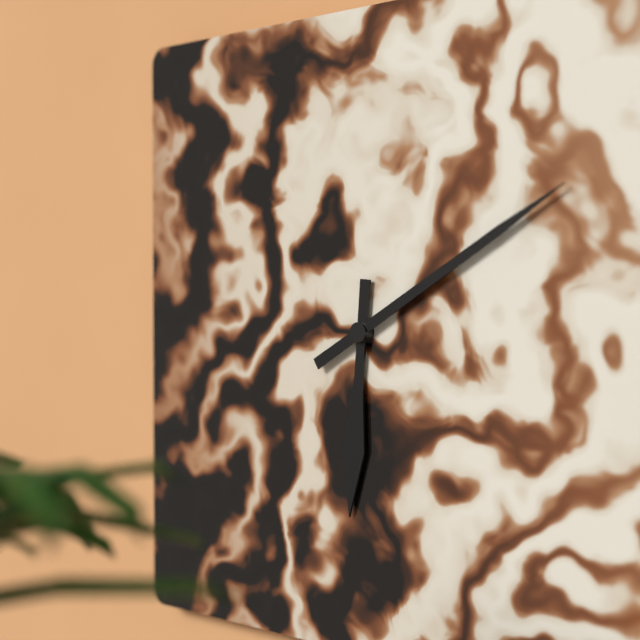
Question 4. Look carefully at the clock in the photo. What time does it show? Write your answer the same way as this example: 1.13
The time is 6.10
